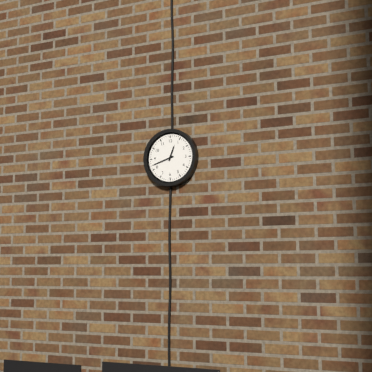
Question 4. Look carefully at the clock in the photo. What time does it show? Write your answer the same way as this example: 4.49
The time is 12.42
